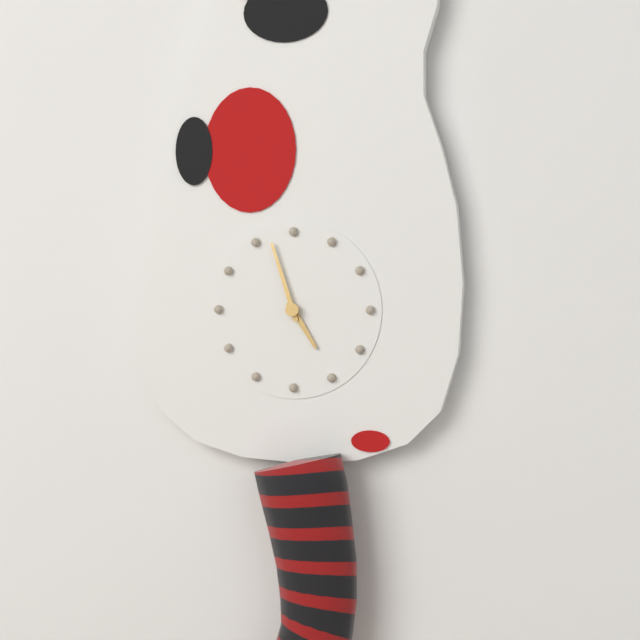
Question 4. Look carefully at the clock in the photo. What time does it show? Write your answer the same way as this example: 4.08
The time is 4.57
